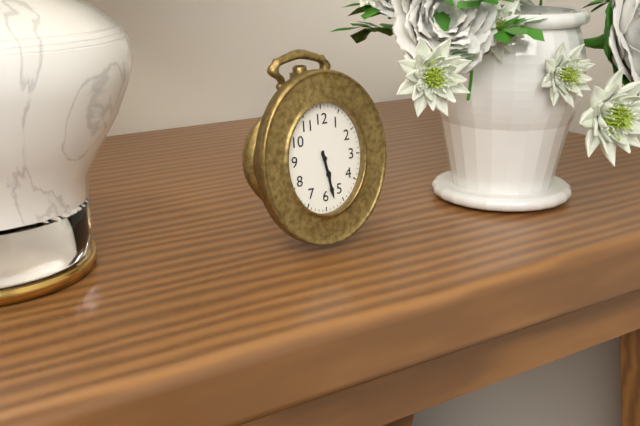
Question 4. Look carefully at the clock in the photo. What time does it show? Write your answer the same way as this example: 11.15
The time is 5.28
